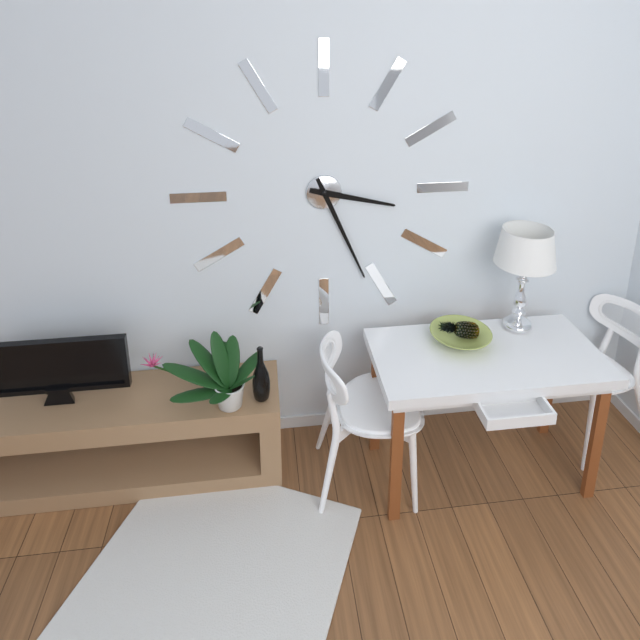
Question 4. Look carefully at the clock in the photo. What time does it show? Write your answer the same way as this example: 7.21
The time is 3.26
